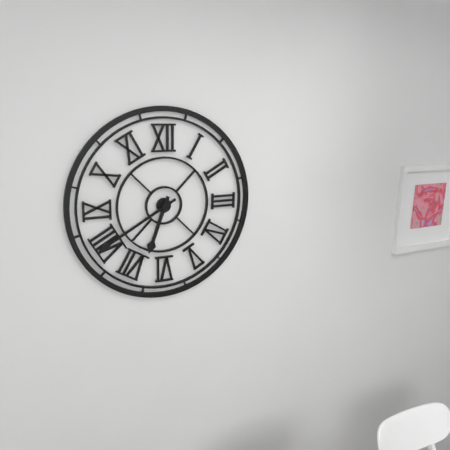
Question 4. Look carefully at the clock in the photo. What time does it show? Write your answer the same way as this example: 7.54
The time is 6.40
